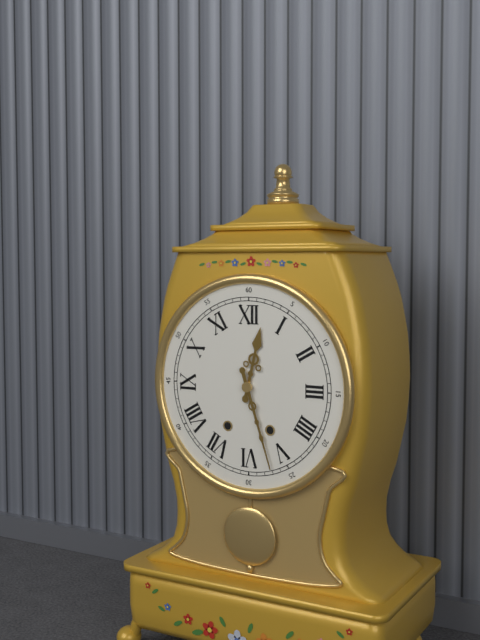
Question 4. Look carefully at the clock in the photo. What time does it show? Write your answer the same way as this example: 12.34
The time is 12.27
